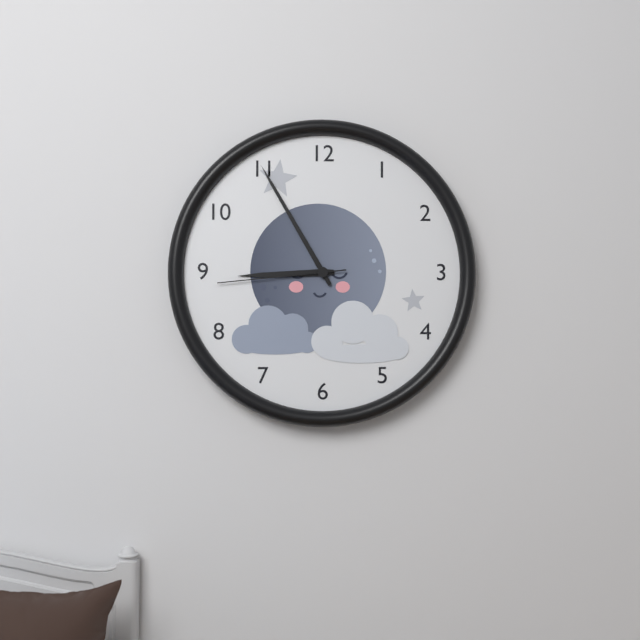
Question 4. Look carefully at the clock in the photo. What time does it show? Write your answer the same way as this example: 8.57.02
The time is 8.55.44
